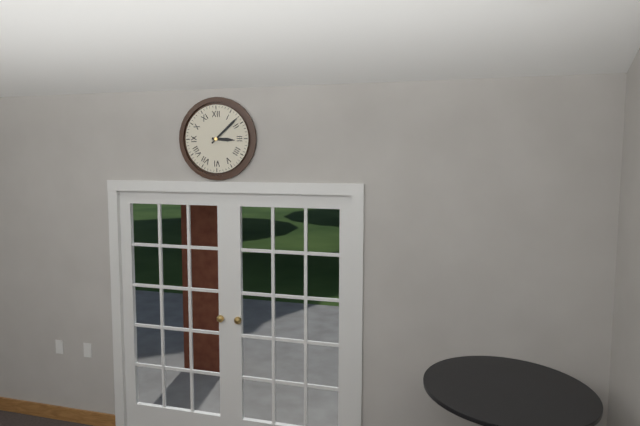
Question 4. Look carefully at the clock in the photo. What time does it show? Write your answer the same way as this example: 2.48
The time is 3.08
